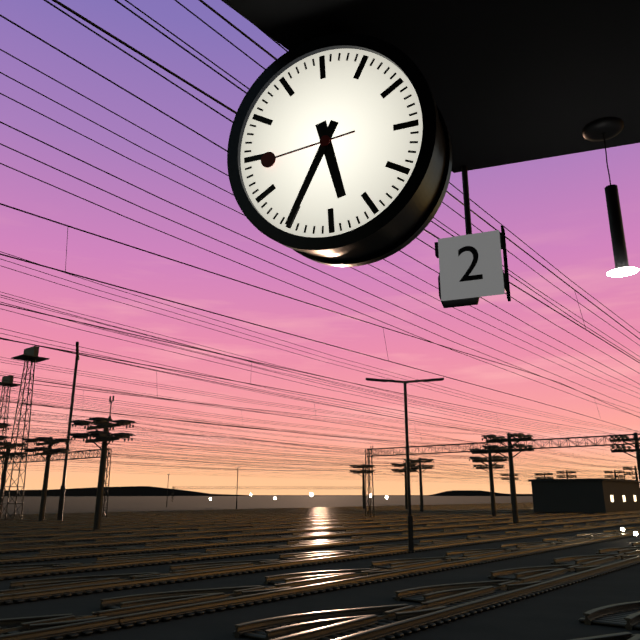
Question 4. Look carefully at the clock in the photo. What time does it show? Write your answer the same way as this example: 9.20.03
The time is 5.35.44
